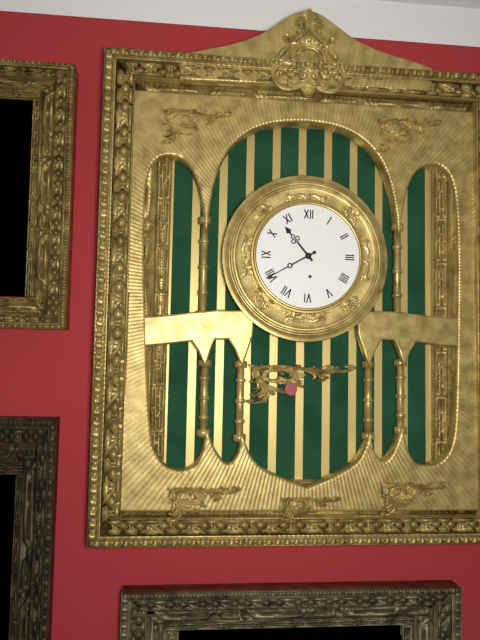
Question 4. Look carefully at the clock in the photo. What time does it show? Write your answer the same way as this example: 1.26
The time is 10.40
